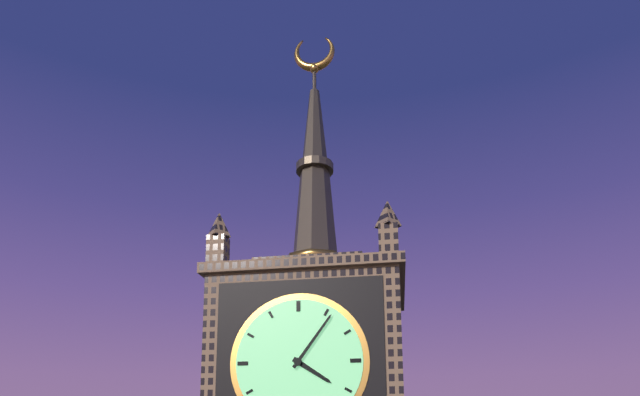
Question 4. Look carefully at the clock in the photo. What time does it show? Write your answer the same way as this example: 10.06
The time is 4.06
